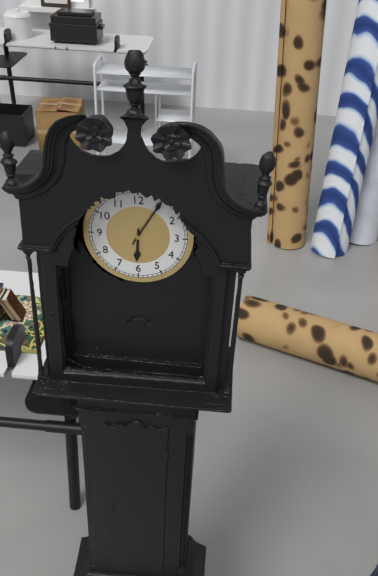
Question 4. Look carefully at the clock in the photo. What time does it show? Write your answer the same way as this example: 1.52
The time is 6.05
